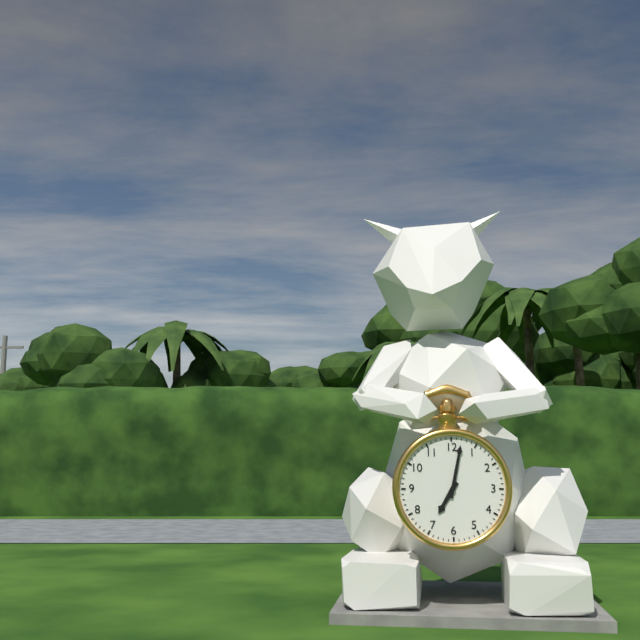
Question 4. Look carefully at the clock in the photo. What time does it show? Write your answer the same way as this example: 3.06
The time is 7.02
